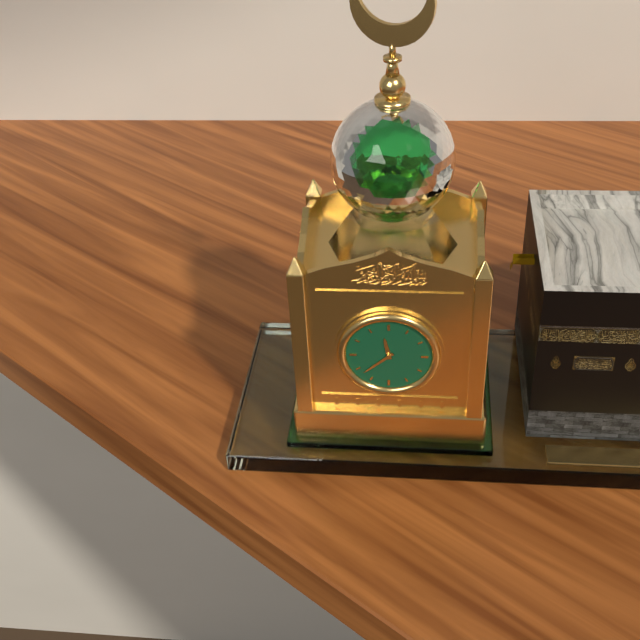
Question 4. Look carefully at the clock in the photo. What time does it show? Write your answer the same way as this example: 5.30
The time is 11.38
